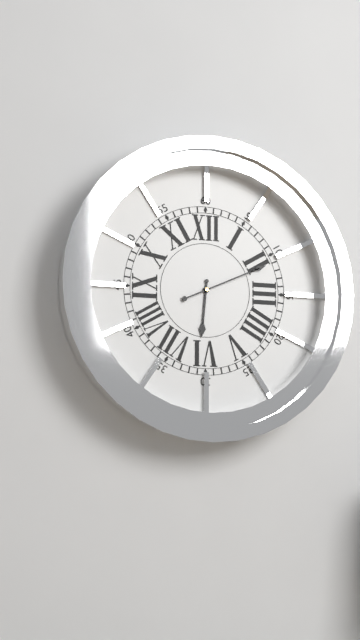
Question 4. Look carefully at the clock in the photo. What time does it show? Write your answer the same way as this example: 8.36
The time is 6.11
